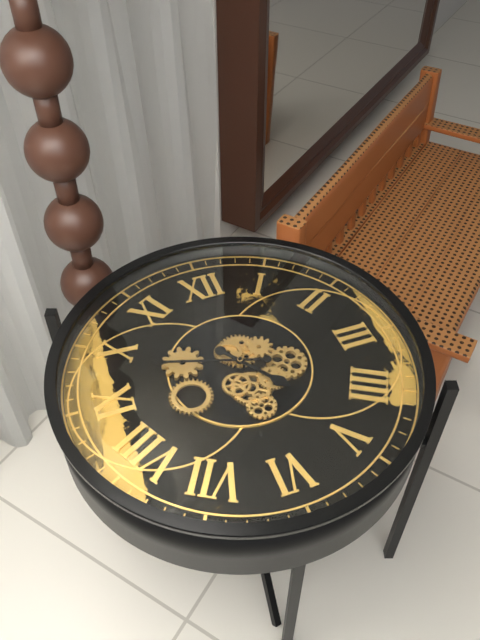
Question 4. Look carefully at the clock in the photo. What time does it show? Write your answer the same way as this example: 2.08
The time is 4.48
